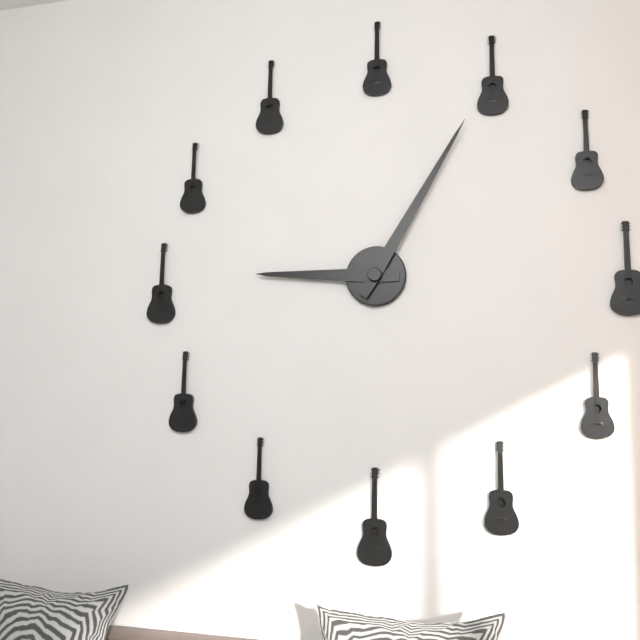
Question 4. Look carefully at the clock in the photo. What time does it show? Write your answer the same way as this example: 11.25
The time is 9.05
